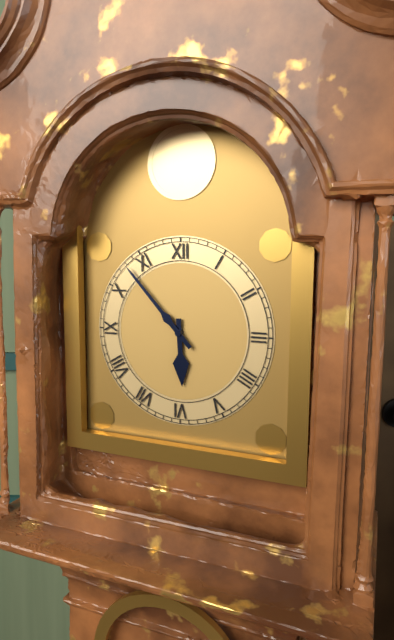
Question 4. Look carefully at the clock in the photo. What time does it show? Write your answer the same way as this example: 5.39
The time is 5.53
